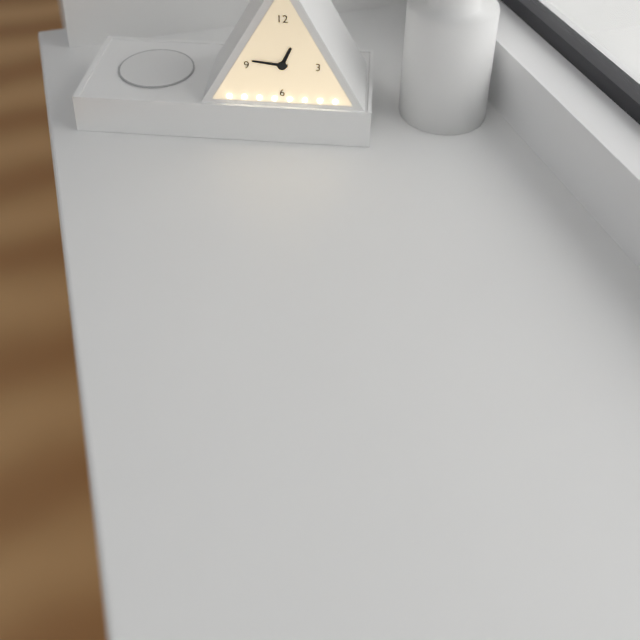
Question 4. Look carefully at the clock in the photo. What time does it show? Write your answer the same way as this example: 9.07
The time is 12.46
